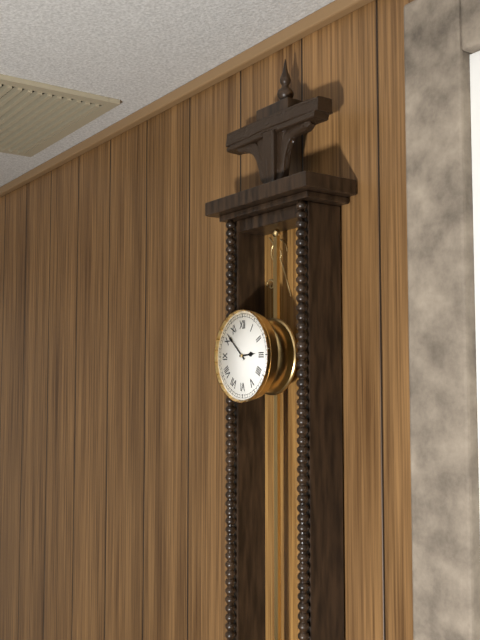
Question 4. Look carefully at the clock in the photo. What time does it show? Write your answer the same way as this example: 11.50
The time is 2.52
